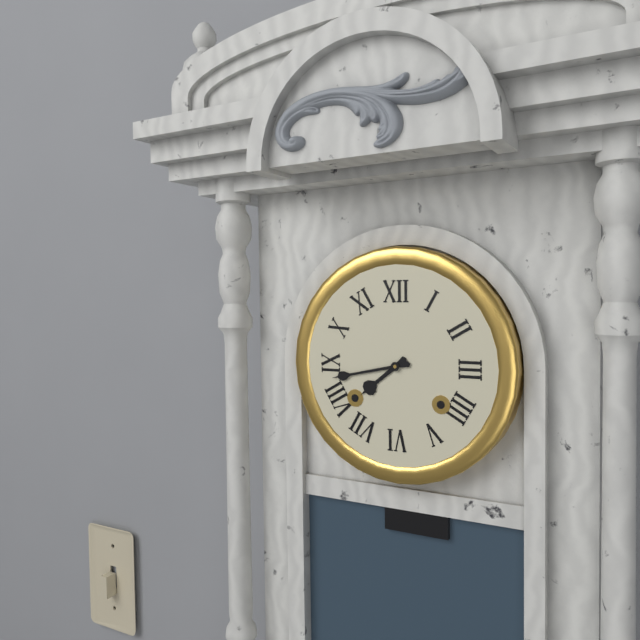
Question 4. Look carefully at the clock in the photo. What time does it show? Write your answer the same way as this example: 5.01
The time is 7.43
